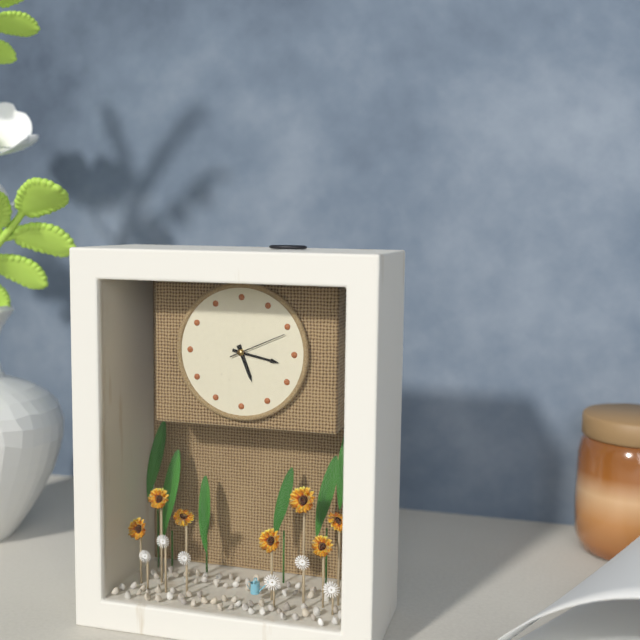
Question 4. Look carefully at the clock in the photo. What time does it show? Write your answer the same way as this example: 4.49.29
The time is 5.17.11
